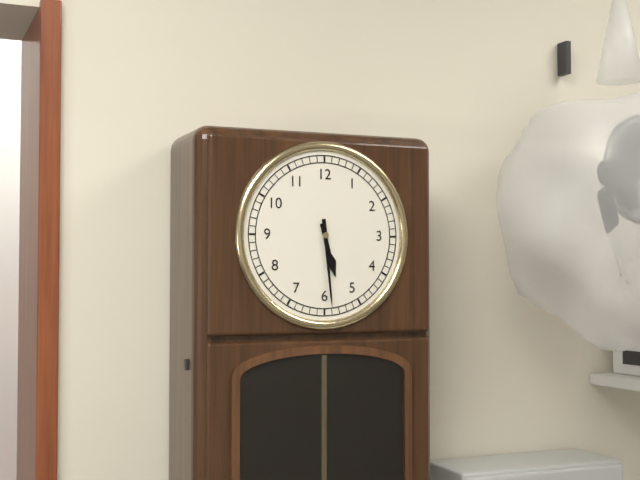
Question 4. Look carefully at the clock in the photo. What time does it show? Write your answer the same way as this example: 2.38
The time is 5.29
